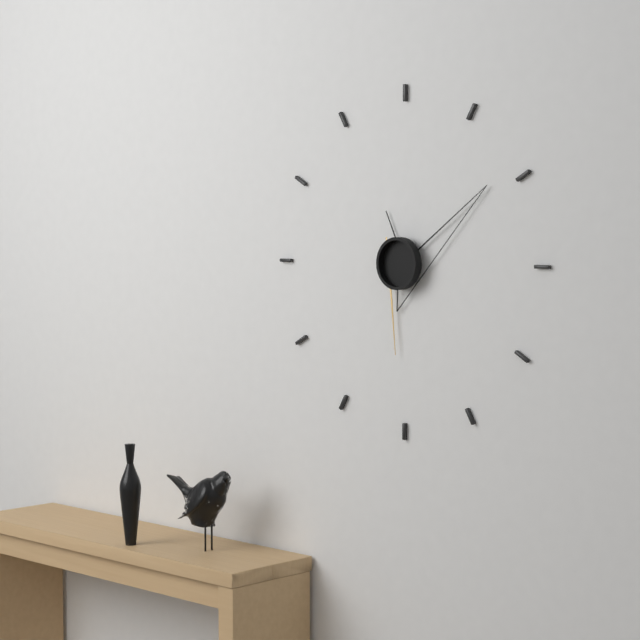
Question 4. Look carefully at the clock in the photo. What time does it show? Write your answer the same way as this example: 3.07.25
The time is 11.09.31
